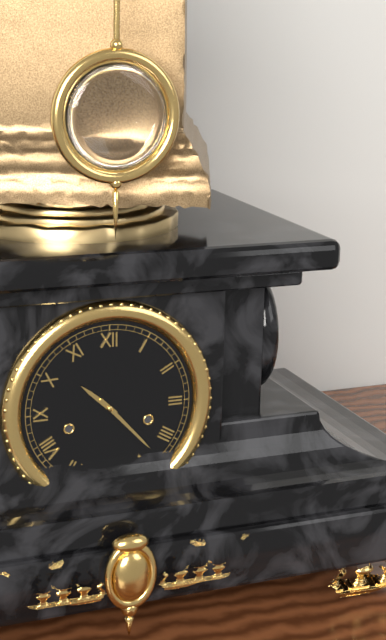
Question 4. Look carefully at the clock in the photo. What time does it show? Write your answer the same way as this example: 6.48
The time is 10.23
